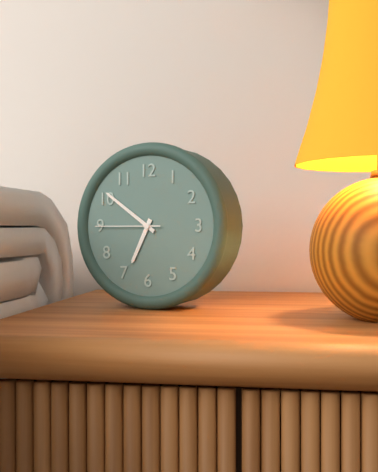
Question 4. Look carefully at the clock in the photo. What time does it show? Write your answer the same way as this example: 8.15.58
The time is 6.51.45
